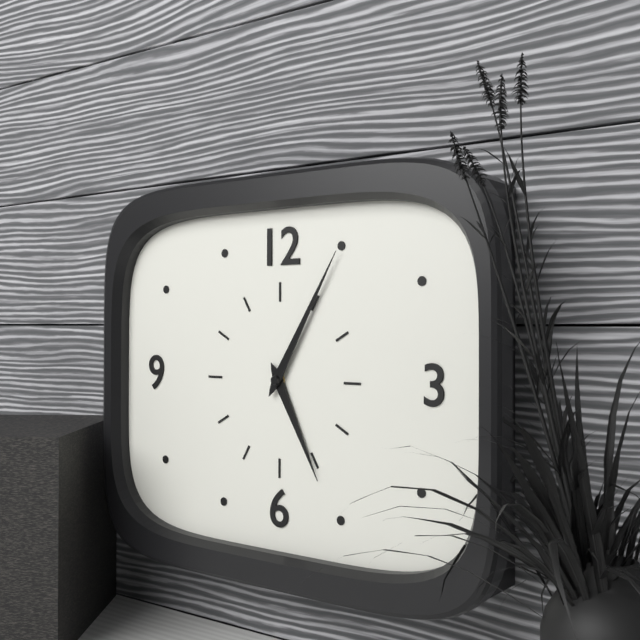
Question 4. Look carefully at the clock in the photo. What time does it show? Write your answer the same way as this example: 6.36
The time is 5.05
